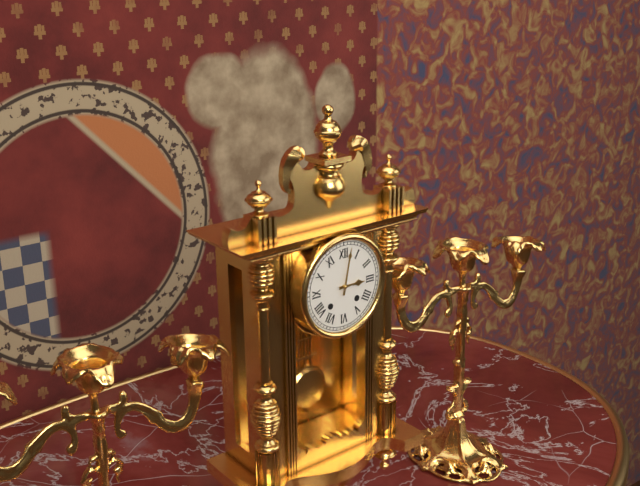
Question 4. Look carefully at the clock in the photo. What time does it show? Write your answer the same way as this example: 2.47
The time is 3.02
